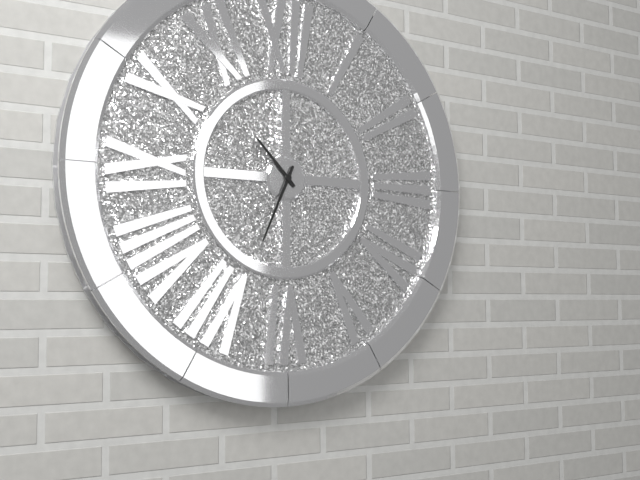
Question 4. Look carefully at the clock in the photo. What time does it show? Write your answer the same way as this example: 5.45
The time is 10.34
